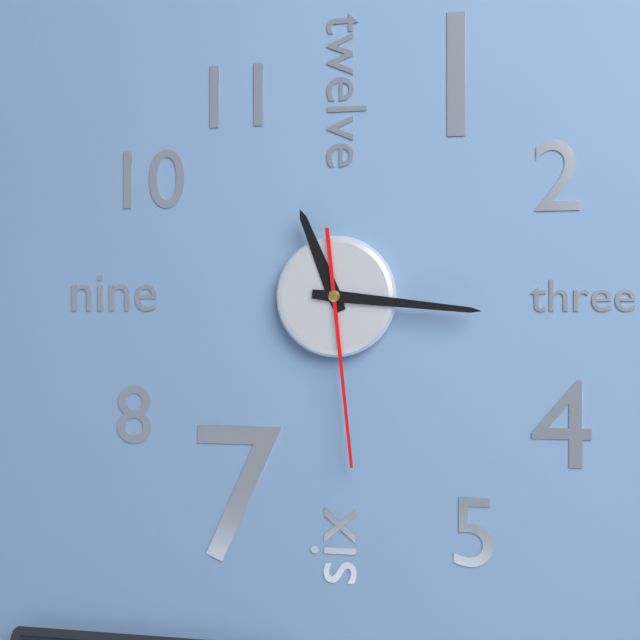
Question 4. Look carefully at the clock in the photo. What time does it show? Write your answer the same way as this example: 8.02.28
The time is 11.16.29
